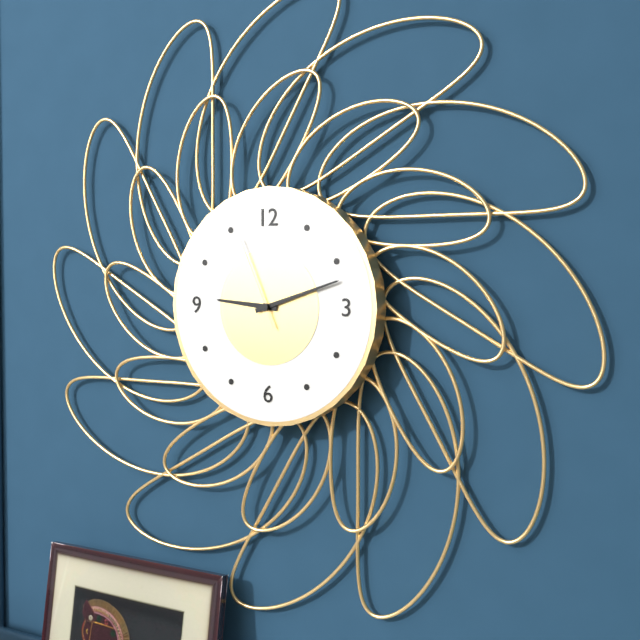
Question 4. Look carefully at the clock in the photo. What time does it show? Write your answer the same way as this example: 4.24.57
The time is 9.12.56
